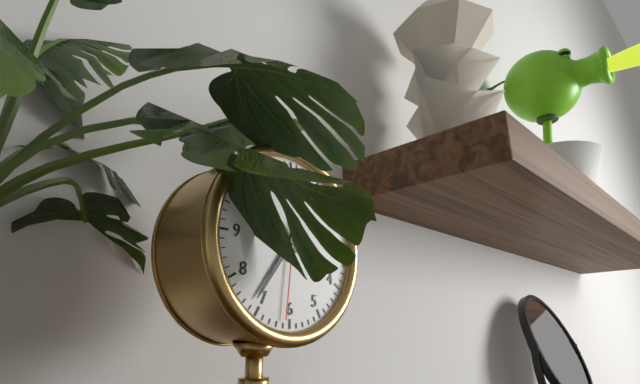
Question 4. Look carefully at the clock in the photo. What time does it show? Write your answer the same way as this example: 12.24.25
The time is 10.36.31
